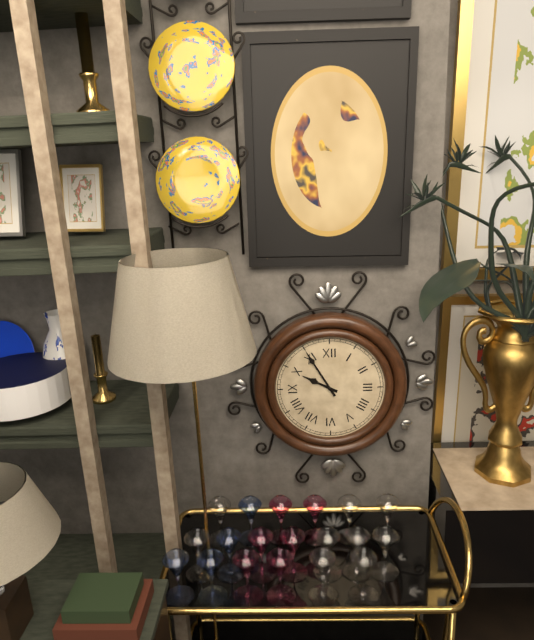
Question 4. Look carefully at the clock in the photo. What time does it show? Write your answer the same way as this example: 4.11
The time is 9.55
